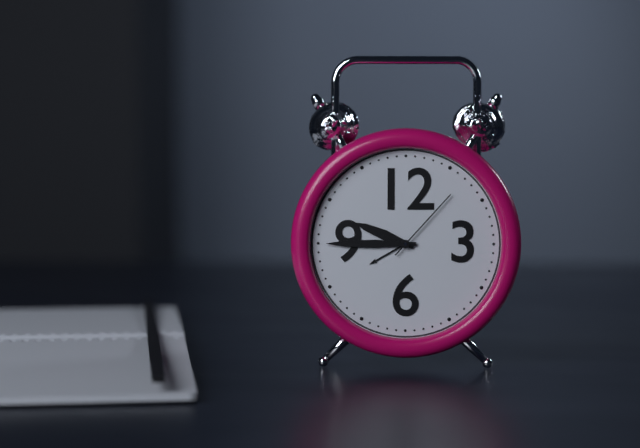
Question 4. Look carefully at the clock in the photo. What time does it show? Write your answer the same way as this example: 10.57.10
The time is 9.45.07
